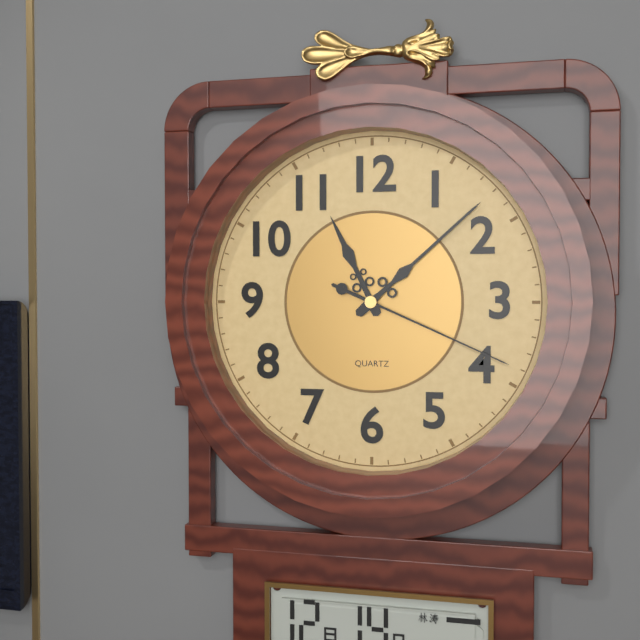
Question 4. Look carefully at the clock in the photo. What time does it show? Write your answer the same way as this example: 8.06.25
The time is 11.08.19
